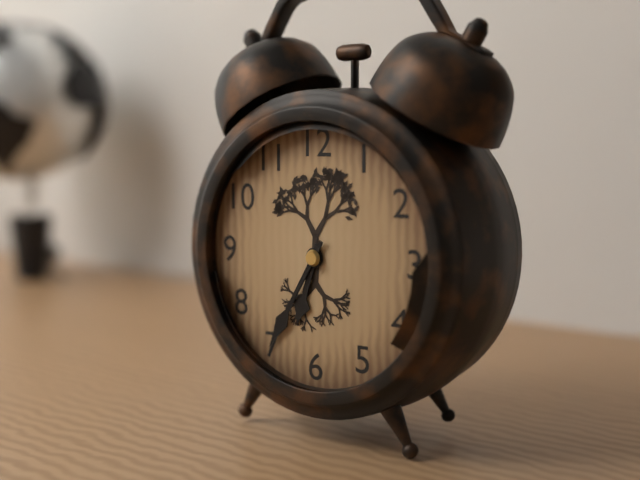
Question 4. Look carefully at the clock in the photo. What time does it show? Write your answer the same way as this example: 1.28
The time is 6.35
